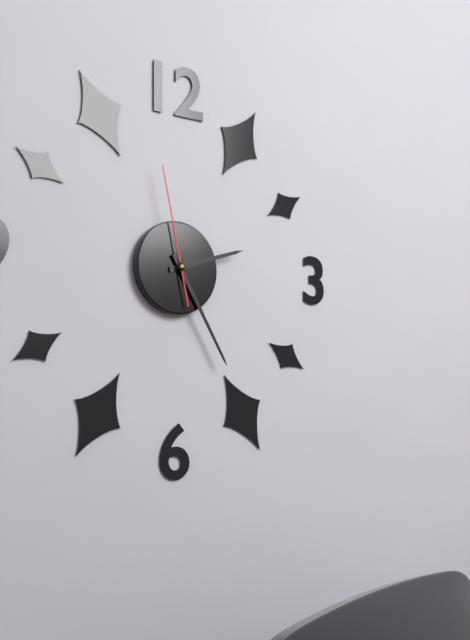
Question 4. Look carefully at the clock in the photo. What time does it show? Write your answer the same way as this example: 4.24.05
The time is 2.25.58
